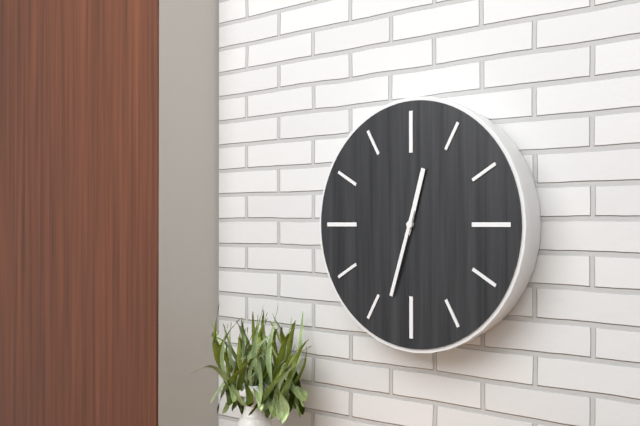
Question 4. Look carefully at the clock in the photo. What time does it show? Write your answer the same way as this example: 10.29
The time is 12.33
